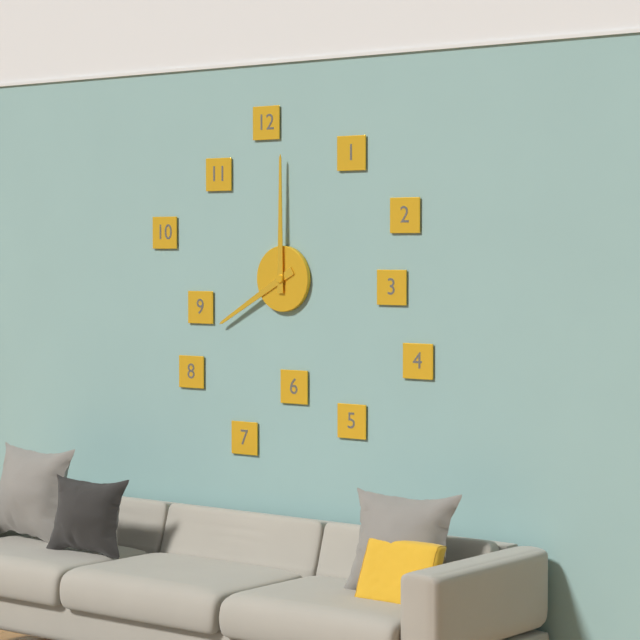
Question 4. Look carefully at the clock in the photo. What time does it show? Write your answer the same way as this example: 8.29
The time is 8.00
